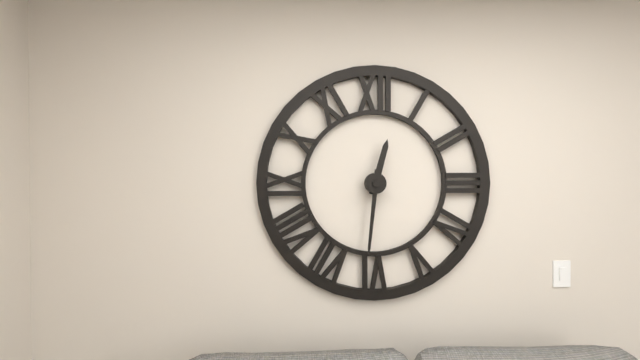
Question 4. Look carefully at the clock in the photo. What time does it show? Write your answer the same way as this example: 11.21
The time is 12.31
